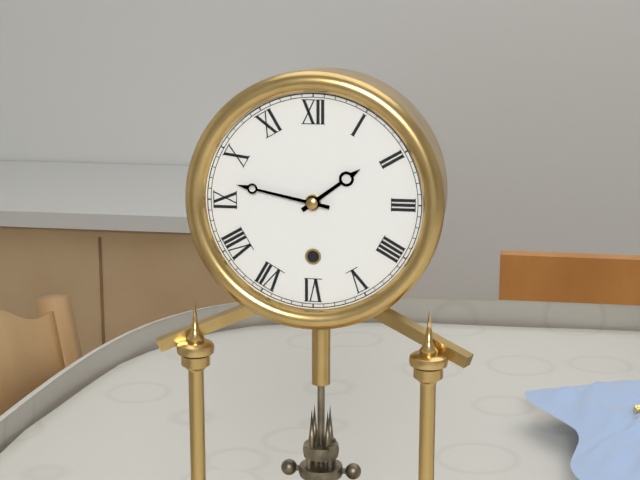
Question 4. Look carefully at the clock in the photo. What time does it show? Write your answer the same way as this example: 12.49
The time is 1.47
